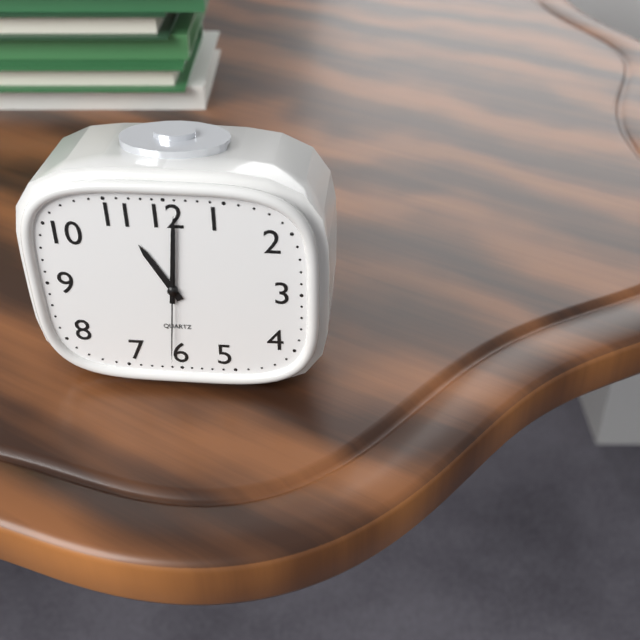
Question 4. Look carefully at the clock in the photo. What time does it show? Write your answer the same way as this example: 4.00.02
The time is 11.01.31
